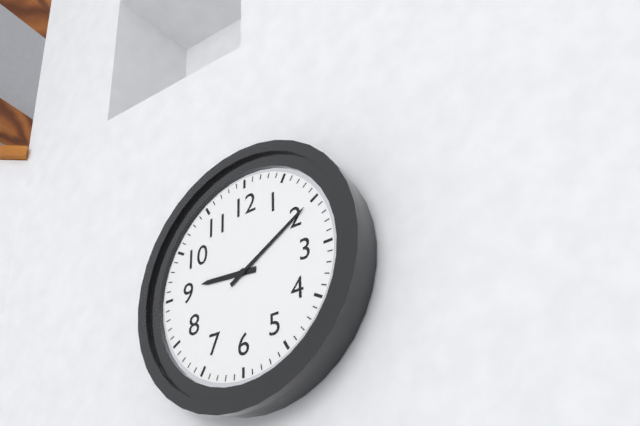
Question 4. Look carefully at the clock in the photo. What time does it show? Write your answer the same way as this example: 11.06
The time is 9.10
